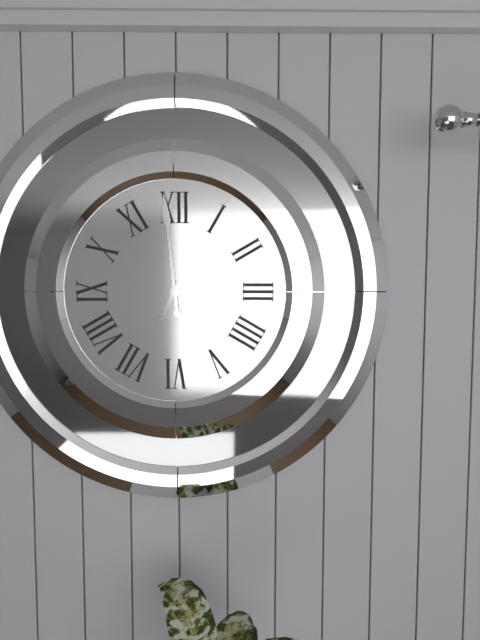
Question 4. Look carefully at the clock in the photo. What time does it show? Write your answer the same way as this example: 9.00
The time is 12.59
